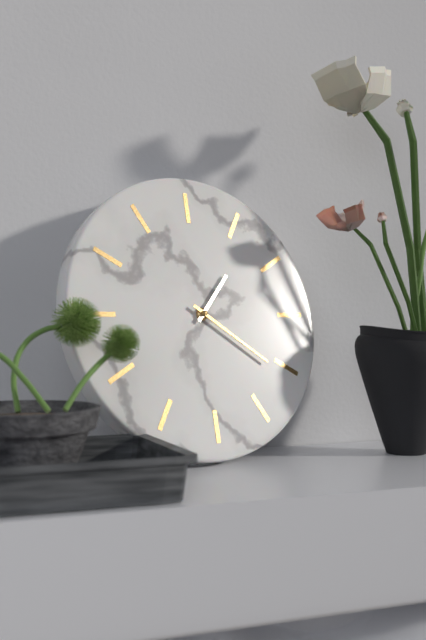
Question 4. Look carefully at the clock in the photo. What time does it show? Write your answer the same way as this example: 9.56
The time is 1.21
